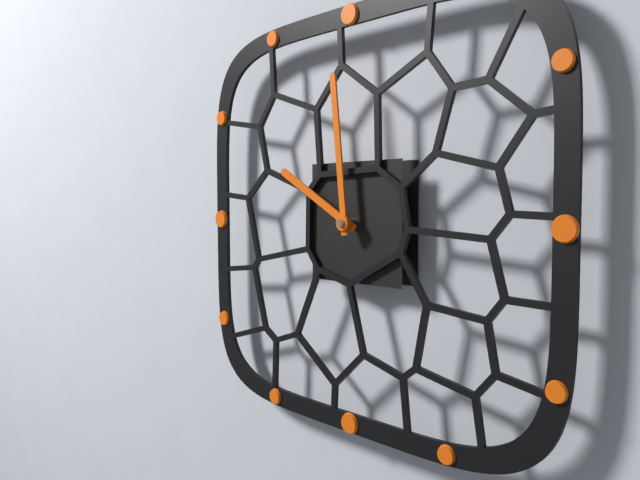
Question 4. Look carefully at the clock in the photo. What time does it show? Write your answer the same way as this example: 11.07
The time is 9.59
